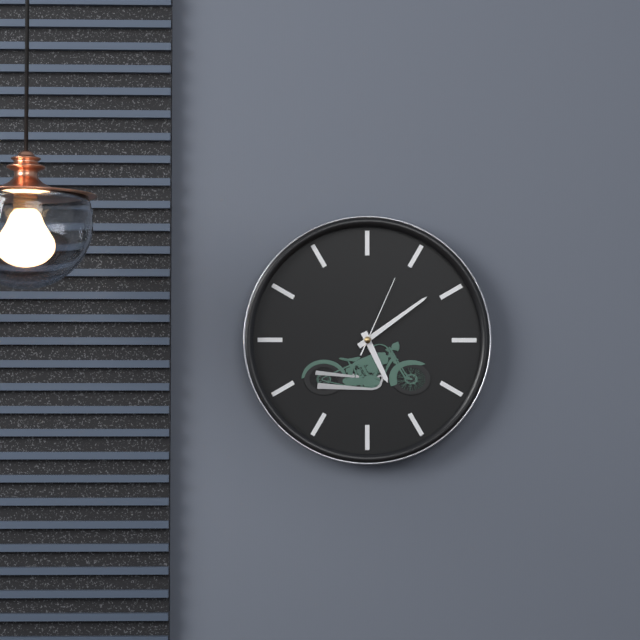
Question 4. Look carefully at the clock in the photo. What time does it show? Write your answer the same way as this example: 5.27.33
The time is 5.09.04
